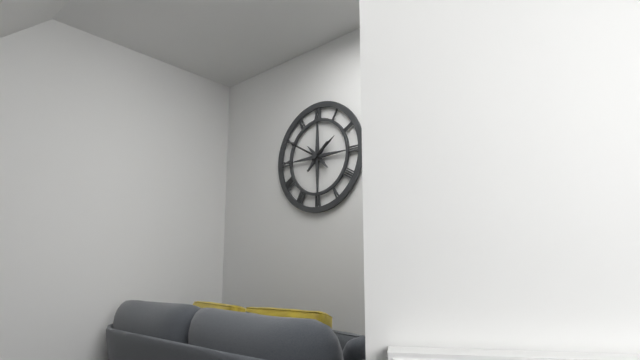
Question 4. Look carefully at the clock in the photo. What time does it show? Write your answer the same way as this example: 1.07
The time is 1.50
